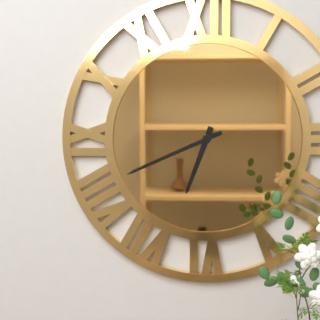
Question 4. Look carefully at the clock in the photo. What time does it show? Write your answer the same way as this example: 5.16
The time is 6.41
